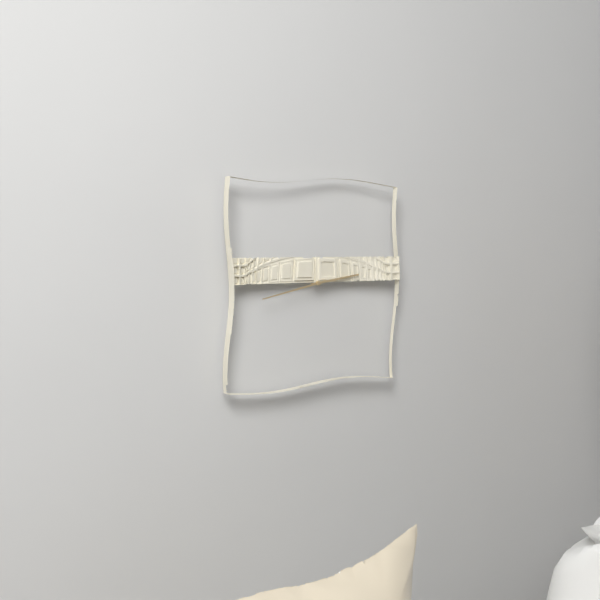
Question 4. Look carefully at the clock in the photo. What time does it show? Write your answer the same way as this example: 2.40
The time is 2.43
